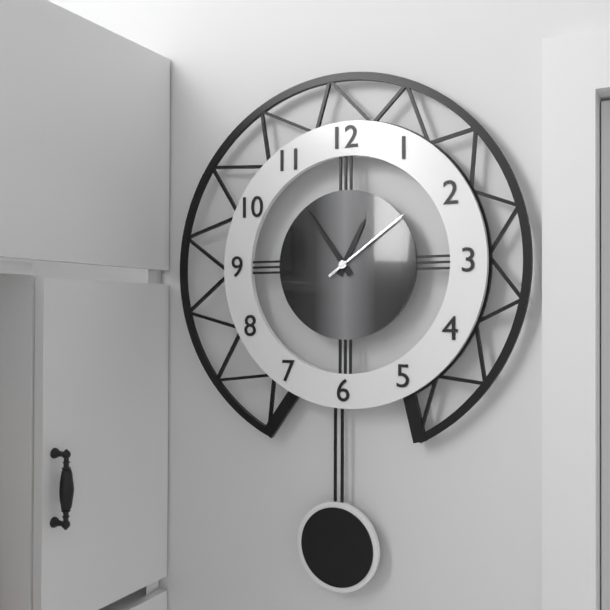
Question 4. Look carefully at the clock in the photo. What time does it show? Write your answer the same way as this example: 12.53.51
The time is 12.54.09
